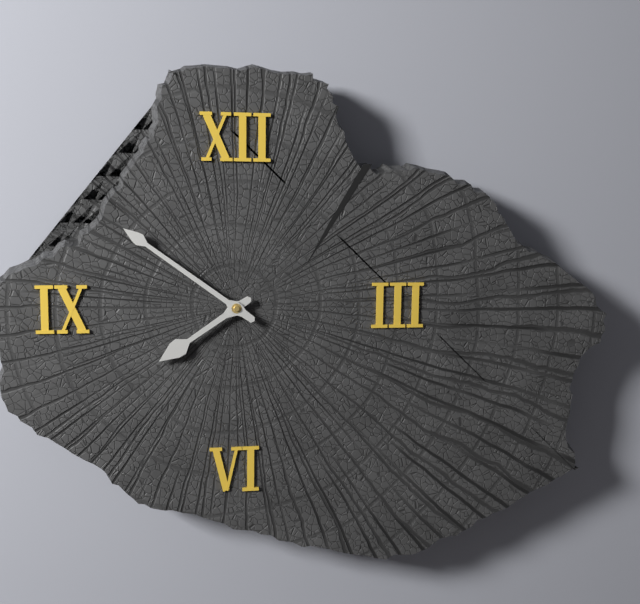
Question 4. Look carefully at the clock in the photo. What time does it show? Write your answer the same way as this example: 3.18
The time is 7.51
